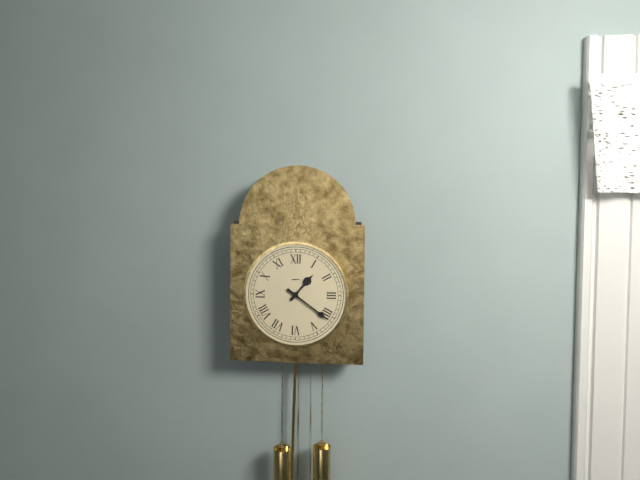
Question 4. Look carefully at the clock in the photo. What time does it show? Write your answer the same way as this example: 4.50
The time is 1.21
